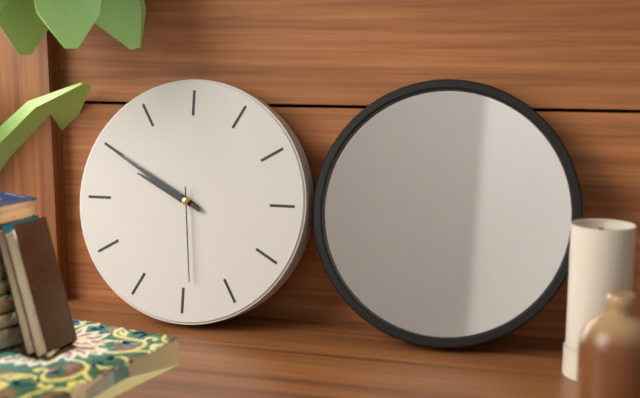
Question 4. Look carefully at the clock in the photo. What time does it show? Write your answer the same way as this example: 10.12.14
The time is 9.50.29
